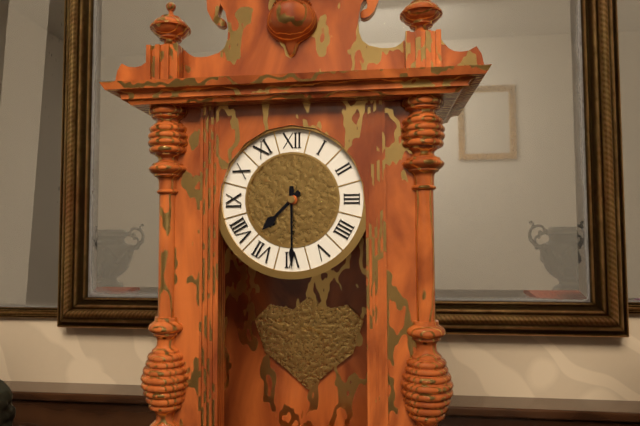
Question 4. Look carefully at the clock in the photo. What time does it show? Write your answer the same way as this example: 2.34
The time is 7.30
